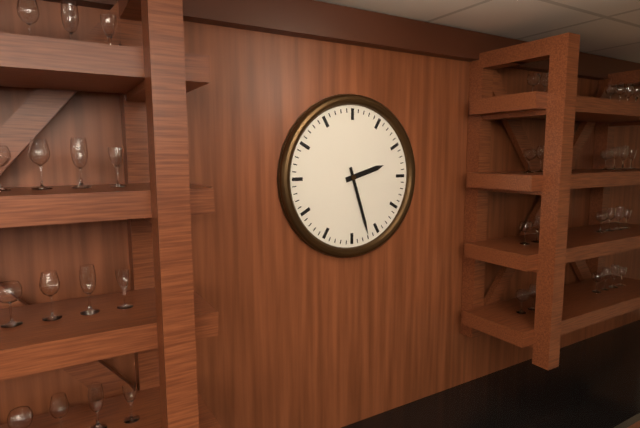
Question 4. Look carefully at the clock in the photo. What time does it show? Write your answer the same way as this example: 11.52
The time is 2.27
